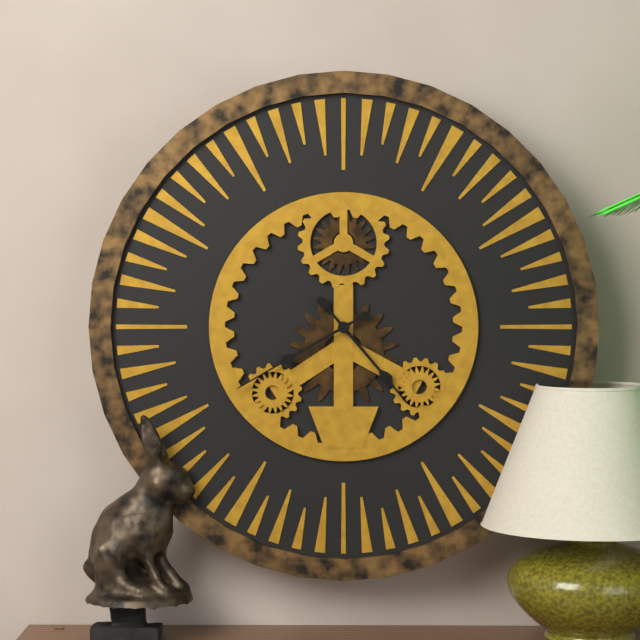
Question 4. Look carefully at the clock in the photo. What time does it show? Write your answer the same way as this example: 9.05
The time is 4.40
